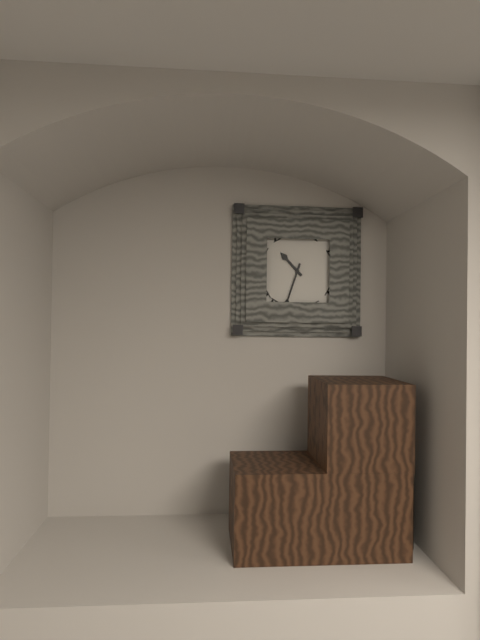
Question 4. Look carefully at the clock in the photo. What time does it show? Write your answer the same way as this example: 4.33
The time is 10.33
